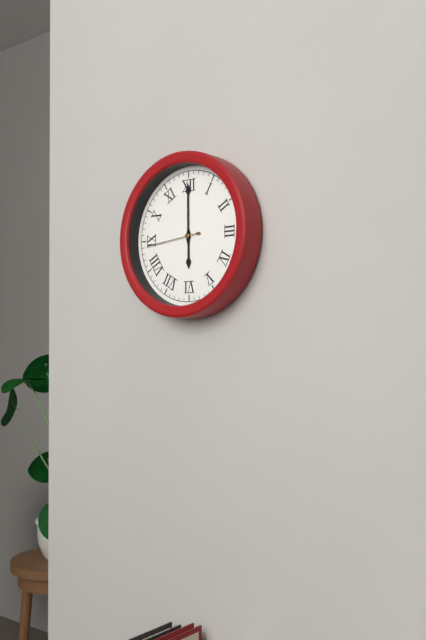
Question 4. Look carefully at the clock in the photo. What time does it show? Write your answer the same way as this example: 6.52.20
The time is 6.00.44
